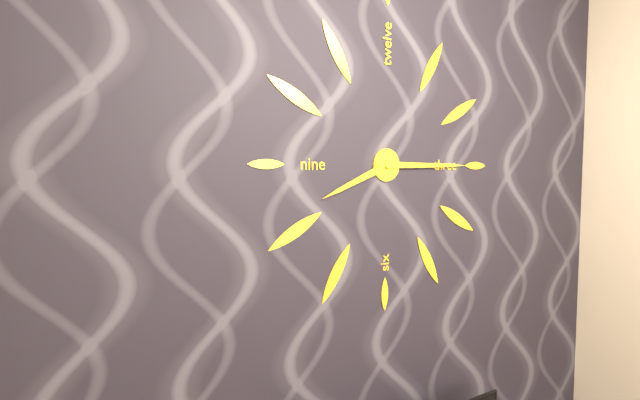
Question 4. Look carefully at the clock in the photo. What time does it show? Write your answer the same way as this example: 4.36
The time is 8.15
